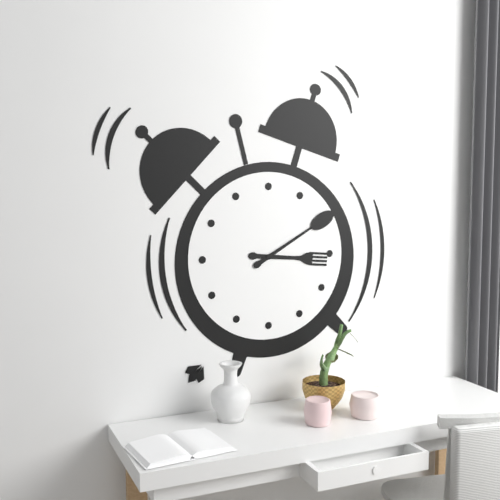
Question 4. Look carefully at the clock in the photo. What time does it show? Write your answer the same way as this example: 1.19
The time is 3.10
